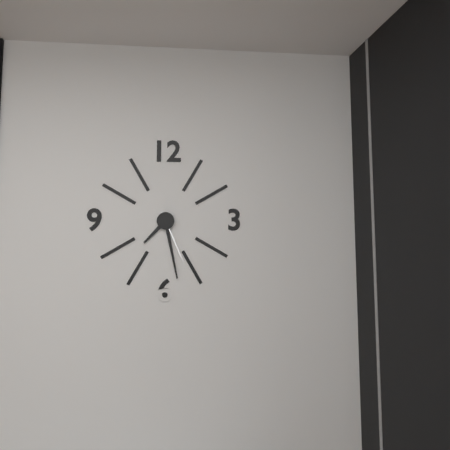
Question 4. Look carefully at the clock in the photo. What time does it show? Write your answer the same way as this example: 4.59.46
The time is 7.28.26
